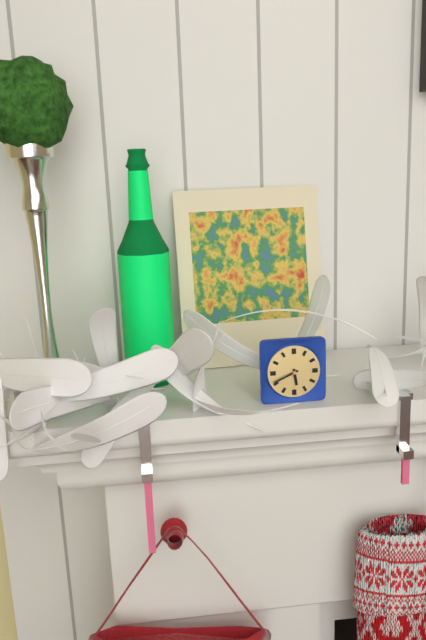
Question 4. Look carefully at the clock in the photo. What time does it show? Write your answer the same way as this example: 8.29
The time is 5.41
